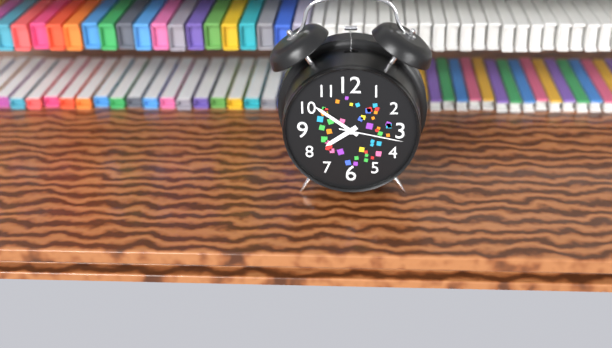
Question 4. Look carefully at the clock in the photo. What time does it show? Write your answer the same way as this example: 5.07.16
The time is 7.51.17
